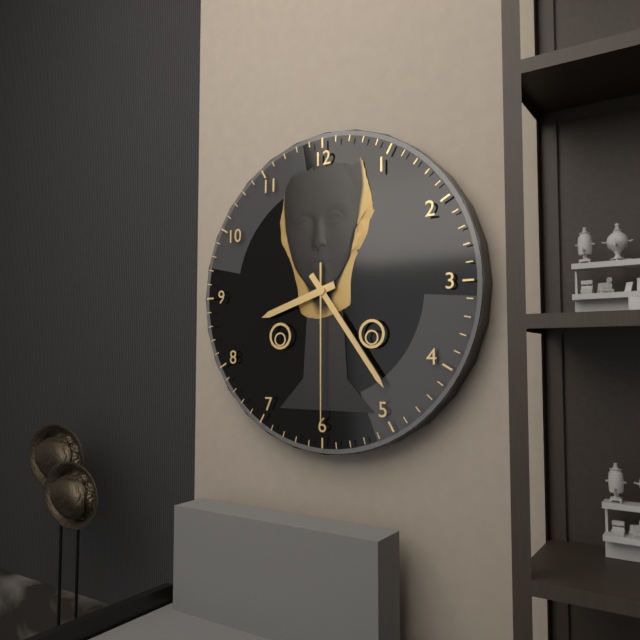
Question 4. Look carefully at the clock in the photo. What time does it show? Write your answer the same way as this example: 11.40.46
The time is 8.24.30
